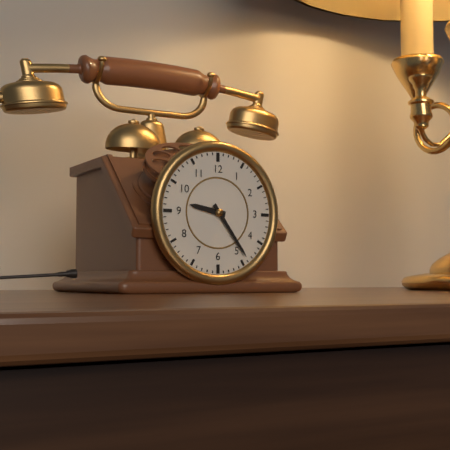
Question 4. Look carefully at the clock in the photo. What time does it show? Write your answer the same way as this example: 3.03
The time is 9.24
